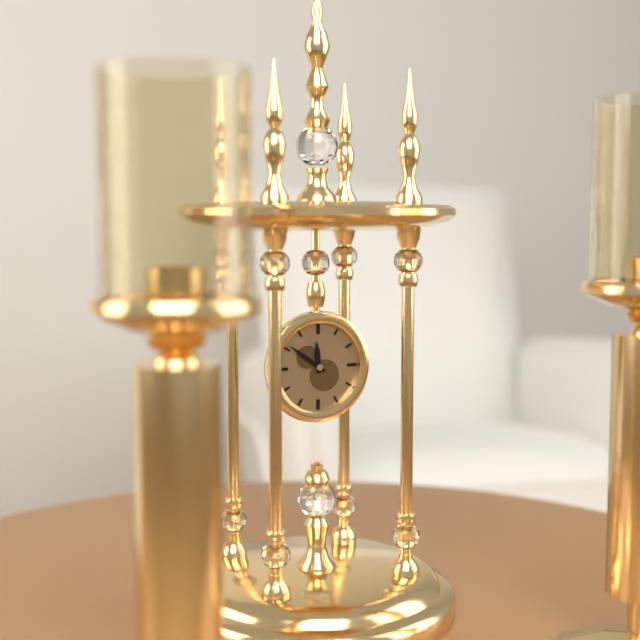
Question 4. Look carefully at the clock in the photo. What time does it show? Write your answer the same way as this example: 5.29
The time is 11.51
